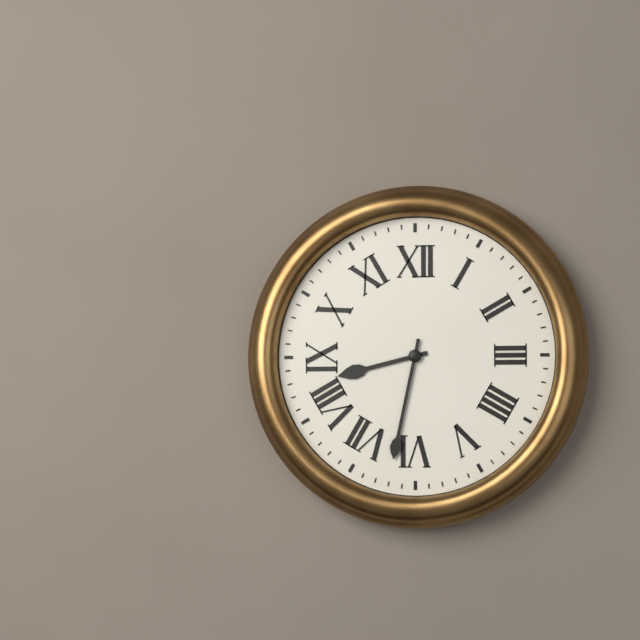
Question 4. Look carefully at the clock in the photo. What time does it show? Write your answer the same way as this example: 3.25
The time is 8.32
